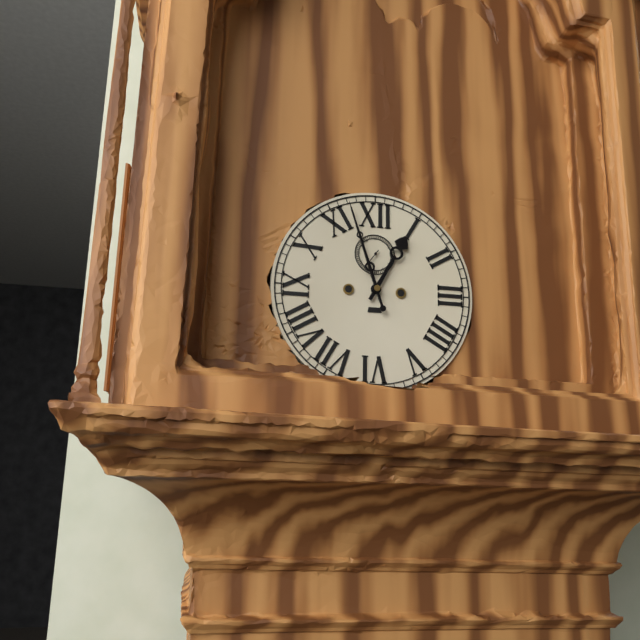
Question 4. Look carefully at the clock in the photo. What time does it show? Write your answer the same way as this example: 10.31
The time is 12.57
